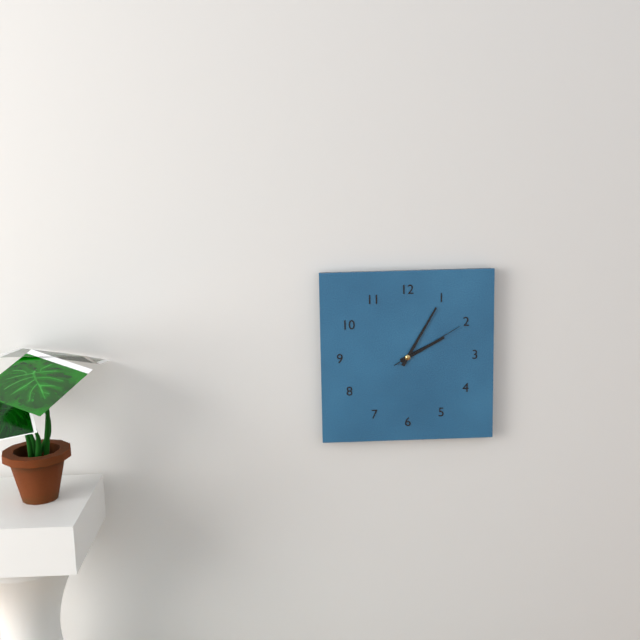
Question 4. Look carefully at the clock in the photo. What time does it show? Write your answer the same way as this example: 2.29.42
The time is 2.05.10
